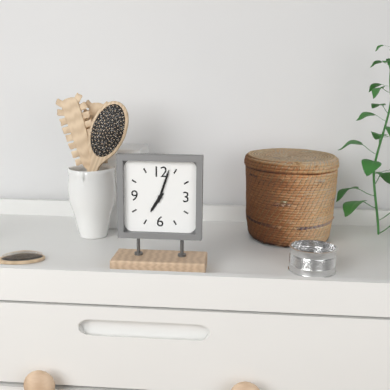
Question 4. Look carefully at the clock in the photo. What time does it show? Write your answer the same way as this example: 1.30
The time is 7.03
